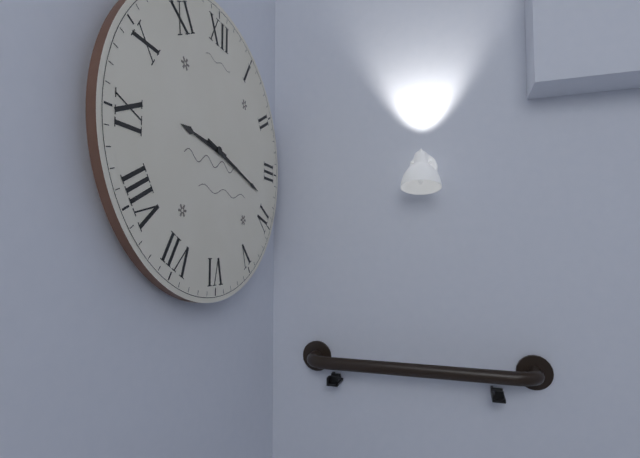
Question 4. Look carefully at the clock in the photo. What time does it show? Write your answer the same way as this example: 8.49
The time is 9.18
